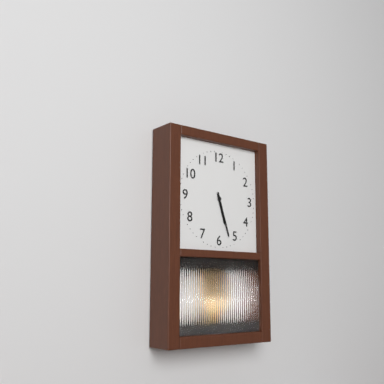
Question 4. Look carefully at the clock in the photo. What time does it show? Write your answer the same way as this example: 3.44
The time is 5.27
